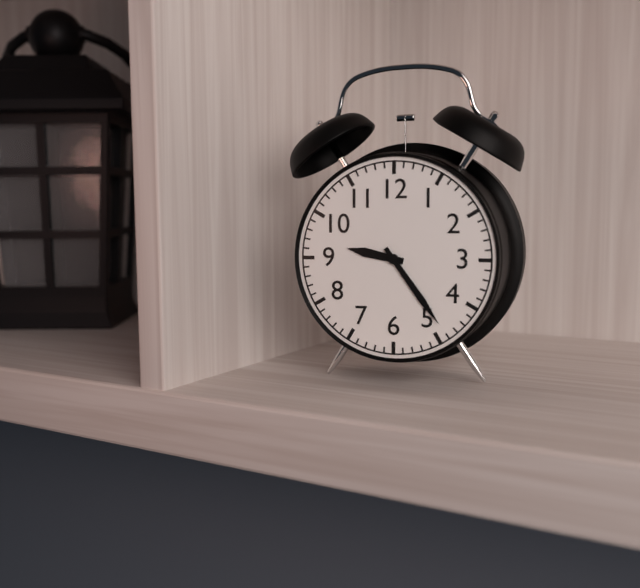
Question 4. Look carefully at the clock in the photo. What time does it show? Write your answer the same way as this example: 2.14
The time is 9.24
